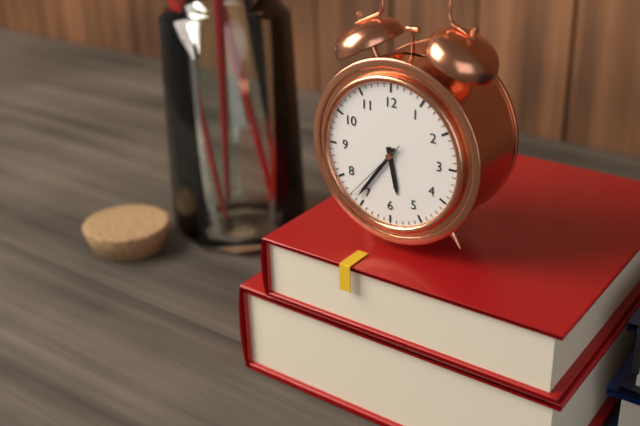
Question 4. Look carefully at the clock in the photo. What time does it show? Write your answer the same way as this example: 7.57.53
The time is 5.36.37
